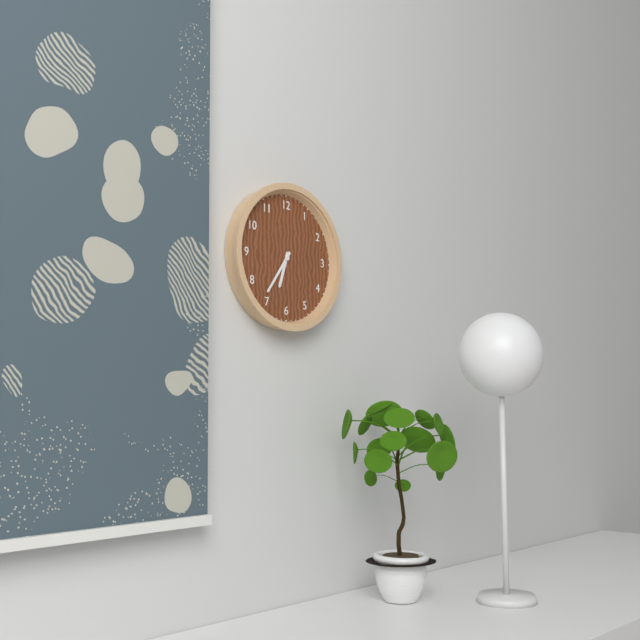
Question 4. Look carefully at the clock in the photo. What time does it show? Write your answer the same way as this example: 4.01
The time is 6.36
